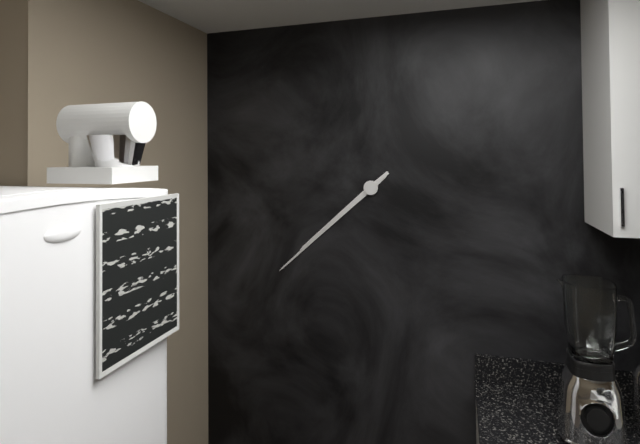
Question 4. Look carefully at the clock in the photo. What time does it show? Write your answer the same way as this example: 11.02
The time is 7.38
